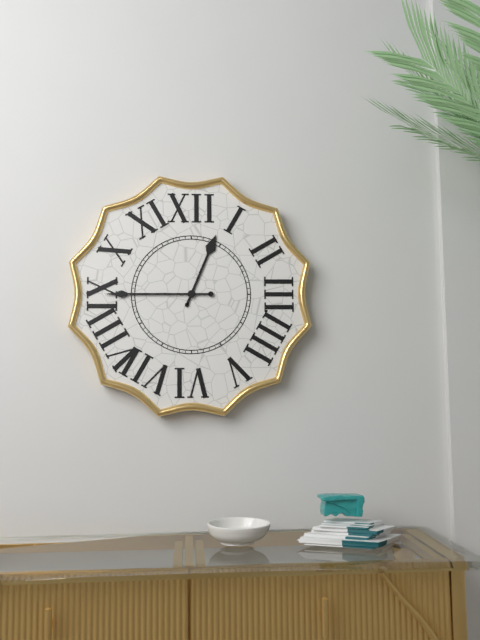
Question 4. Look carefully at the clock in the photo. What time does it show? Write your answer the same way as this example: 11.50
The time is 12.45
